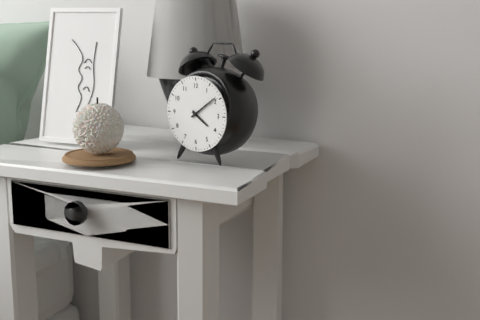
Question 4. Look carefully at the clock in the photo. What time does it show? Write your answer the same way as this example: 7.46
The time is 4.09
